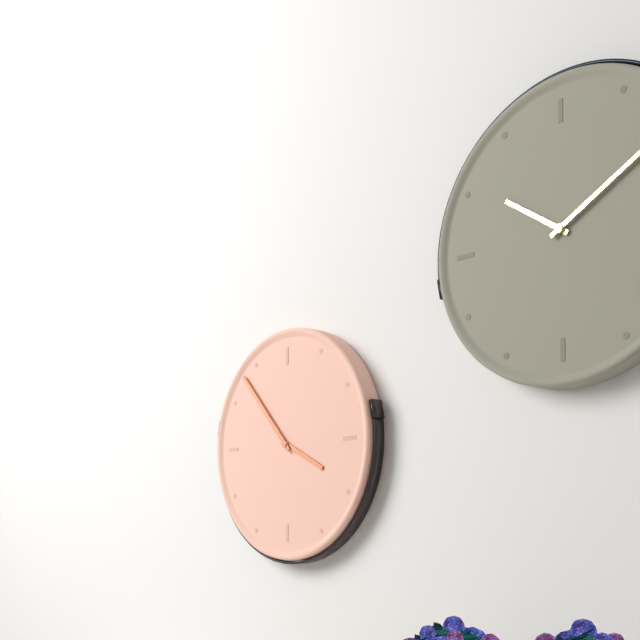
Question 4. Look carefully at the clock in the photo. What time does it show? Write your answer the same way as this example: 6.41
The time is 3.53
